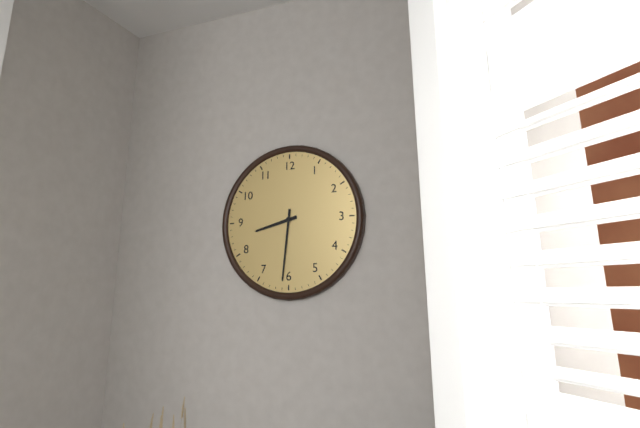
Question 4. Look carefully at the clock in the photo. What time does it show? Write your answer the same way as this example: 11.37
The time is 8.31
